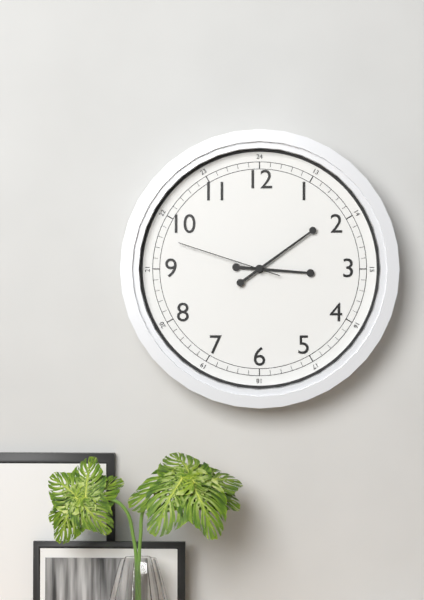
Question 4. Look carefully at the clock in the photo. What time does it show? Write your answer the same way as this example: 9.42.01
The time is 3.09.48
